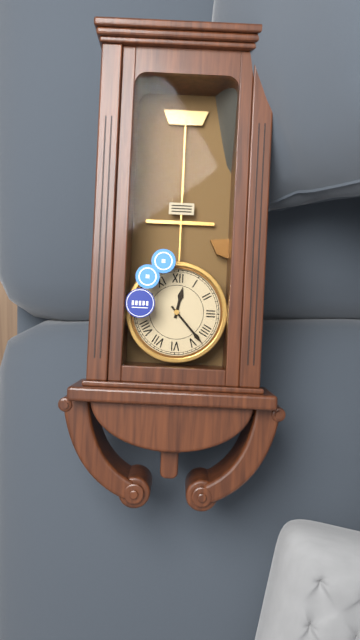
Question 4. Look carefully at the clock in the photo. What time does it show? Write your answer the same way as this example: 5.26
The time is 12.23
